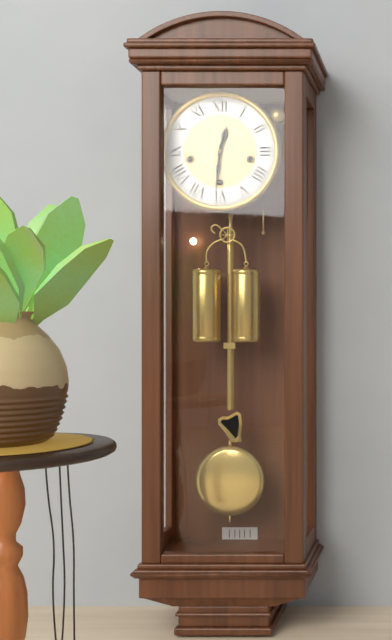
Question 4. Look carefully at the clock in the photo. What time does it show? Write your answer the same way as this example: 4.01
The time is 12.31
